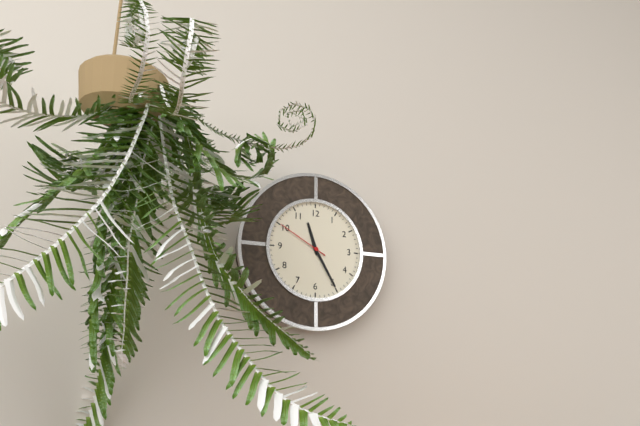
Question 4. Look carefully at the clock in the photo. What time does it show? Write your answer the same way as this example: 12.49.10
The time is 11.25.50
